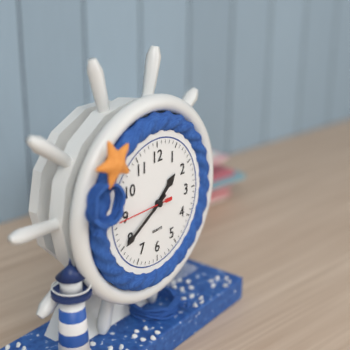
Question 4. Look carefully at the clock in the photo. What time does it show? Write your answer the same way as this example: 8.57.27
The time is 1.40.45
